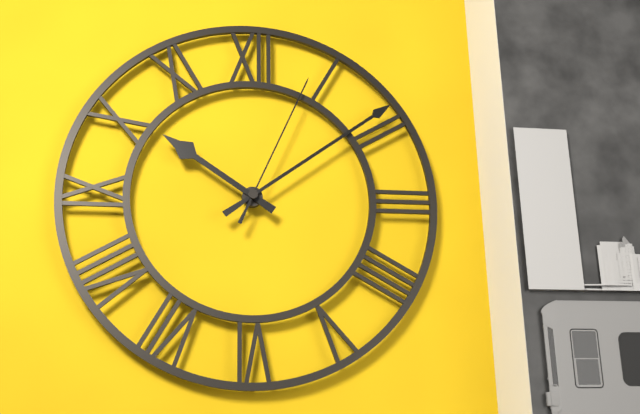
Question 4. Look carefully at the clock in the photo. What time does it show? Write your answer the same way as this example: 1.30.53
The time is 10.09.04
